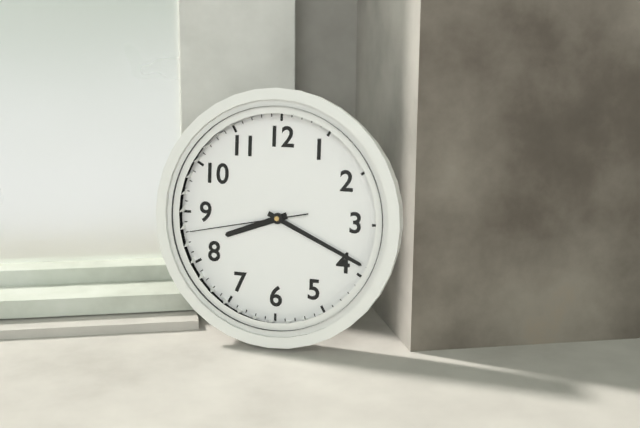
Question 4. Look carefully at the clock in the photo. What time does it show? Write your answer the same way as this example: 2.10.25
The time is 8.19.43
